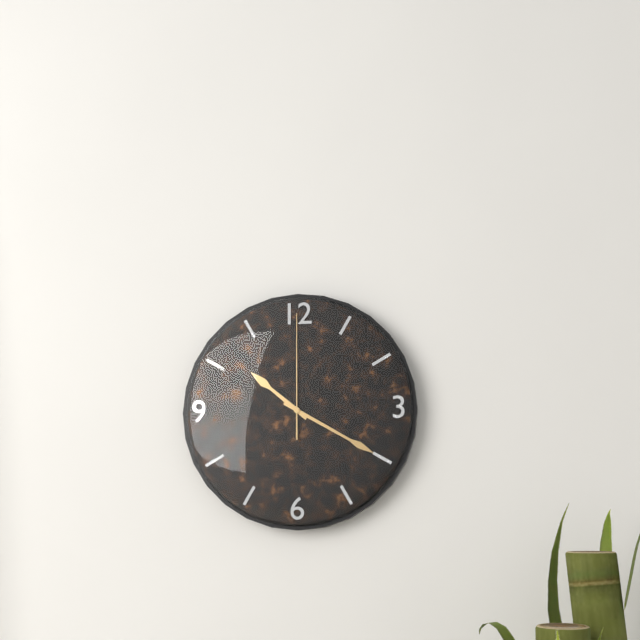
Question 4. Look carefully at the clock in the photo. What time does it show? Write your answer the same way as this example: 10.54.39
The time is 10.20.00
